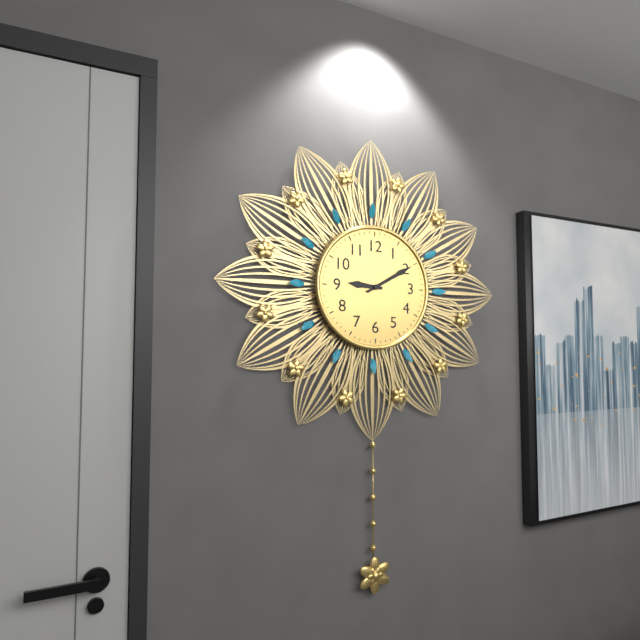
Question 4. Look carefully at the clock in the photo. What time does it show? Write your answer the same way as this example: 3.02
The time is 9.10
